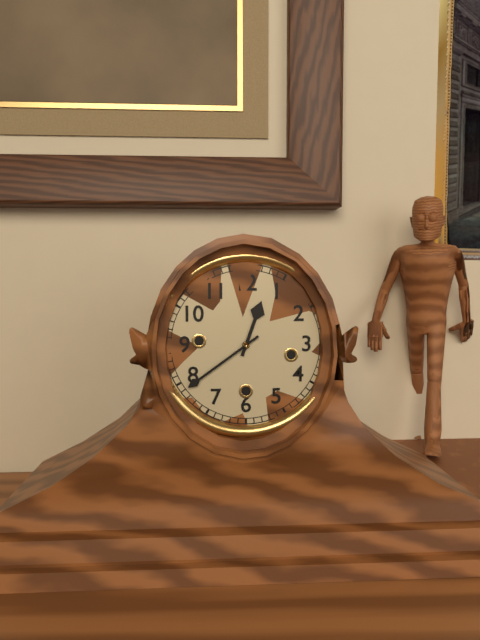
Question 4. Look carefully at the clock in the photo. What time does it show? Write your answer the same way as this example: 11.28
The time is 12.39
